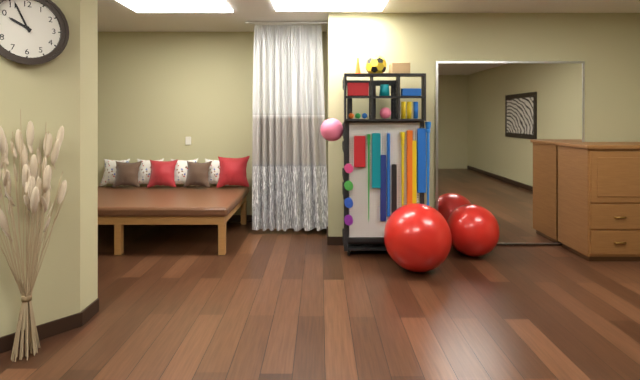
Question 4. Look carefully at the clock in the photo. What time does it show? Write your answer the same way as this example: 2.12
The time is 9.56
